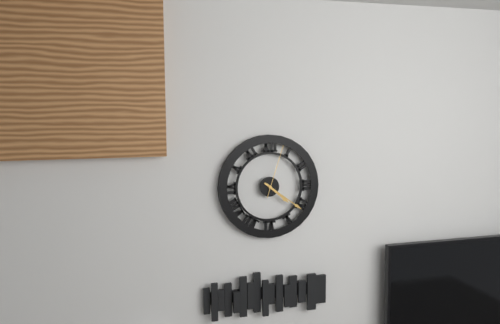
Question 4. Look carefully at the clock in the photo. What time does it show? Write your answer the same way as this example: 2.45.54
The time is 4.21.03
